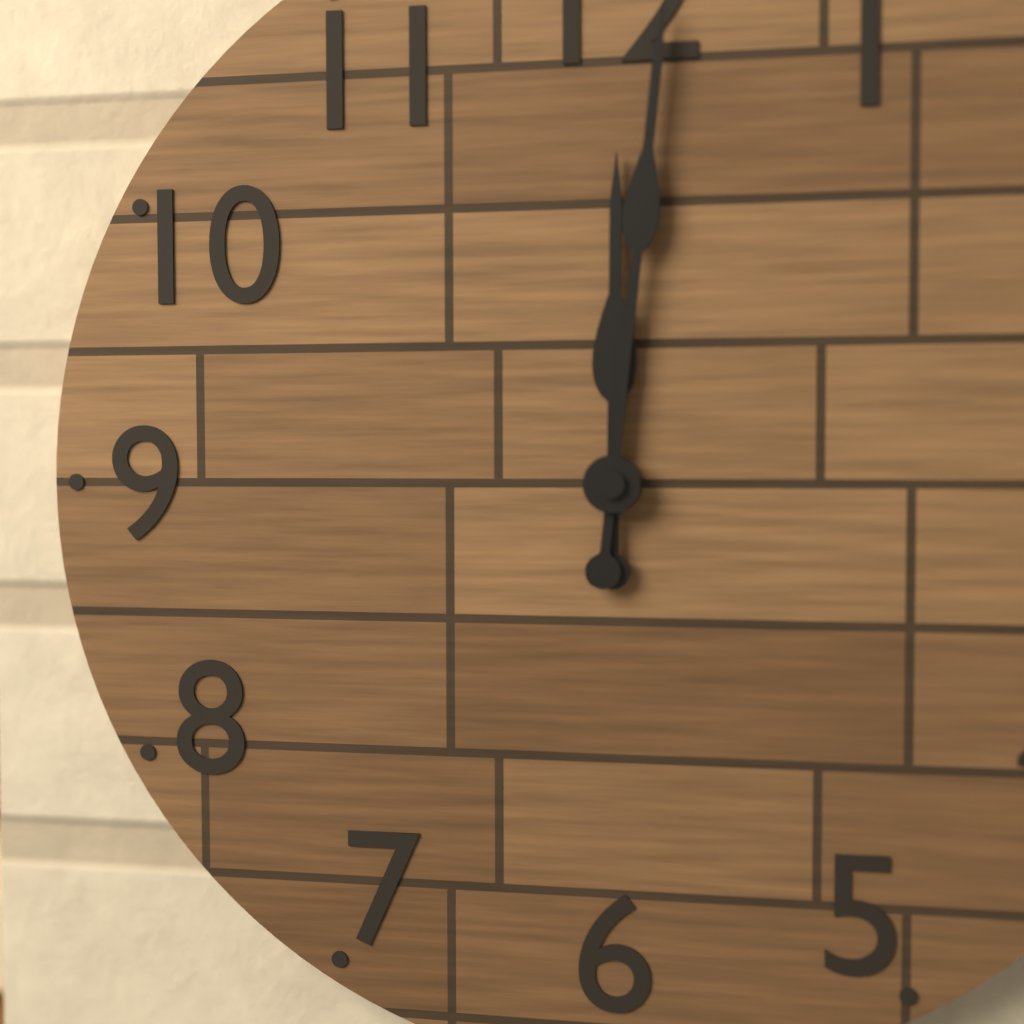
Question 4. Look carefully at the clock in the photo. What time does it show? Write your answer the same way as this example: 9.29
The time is 12.01
